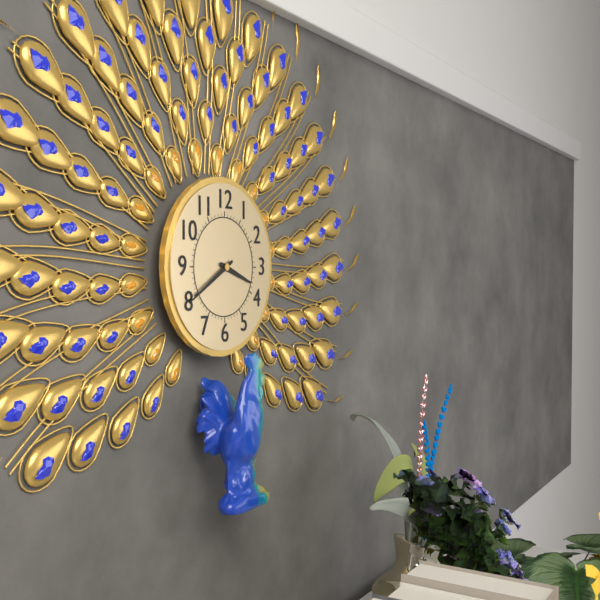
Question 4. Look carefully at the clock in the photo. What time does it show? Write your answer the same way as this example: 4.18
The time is 3.40
